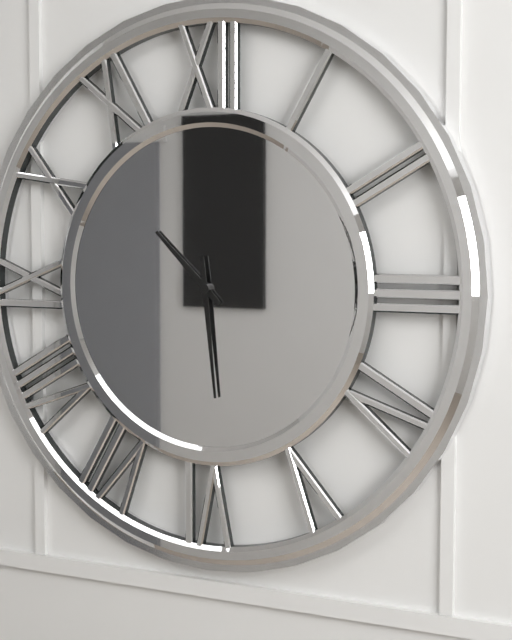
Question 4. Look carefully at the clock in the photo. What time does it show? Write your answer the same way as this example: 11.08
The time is 10.29
